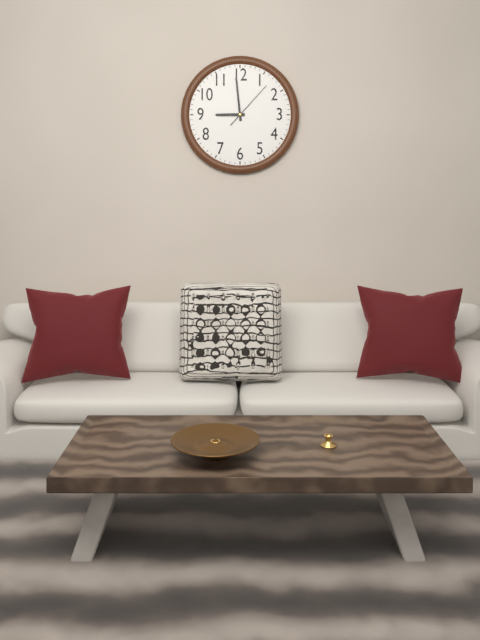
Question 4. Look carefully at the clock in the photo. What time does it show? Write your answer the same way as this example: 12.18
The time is 8.59
